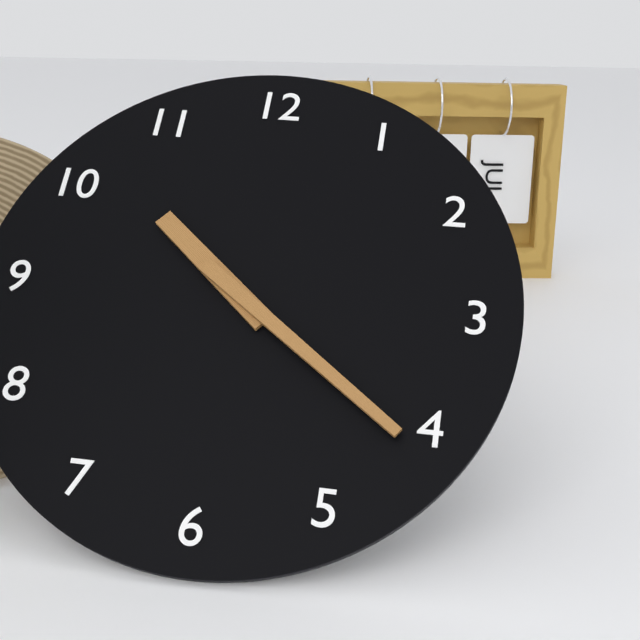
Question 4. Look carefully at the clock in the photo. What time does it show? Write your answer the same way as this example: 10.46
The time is 10.21
